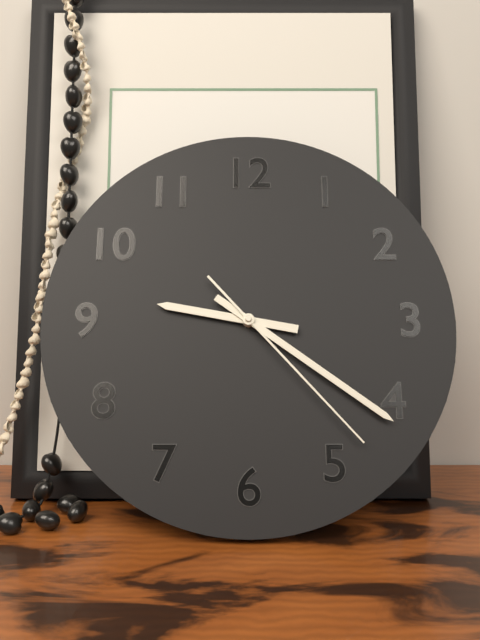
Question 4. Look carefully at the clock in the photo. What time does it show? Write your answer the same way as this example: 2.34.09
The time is 9.21.23
